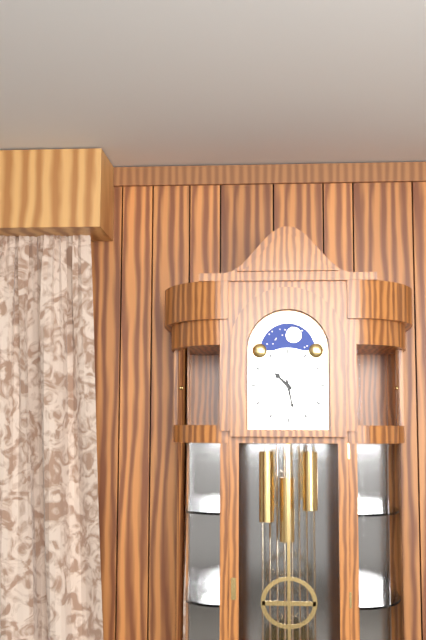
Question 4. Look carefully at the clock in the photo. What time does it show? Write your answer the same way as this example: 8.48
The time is 10.28
